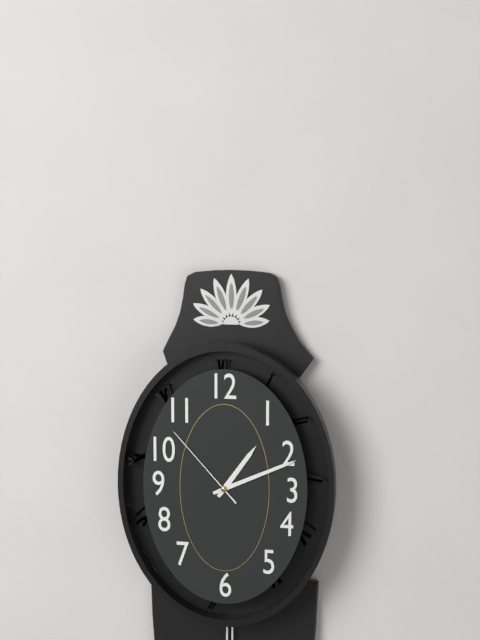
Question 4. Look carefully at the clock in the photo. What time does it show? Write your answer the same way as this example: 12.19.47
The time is 1.11.53
